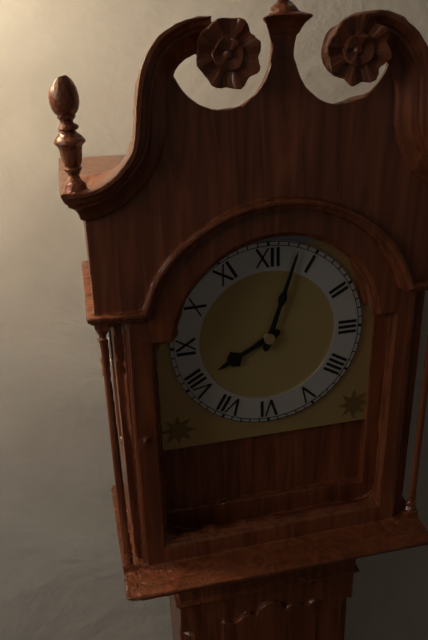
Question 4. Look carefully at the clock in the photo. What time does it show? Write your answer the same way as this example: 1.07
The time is 8.03
